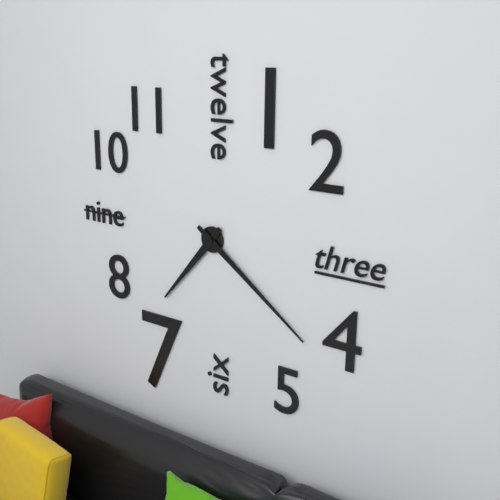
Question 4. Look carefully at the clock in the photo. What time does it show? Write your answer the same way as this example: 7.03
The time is 7.21
